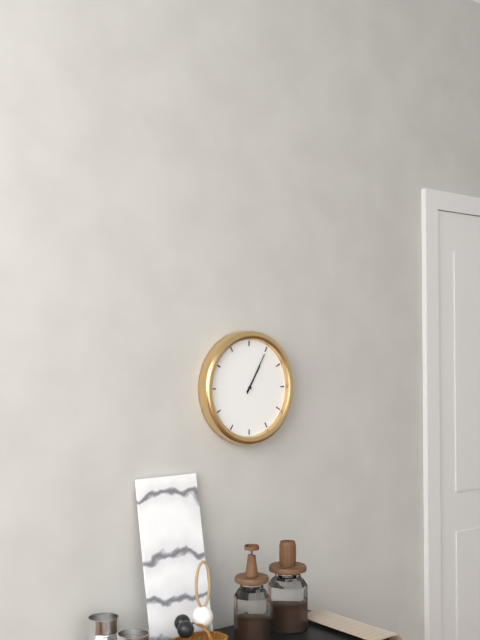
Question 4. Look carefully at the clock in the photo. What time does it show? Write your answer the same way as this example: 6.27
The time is 1.05
